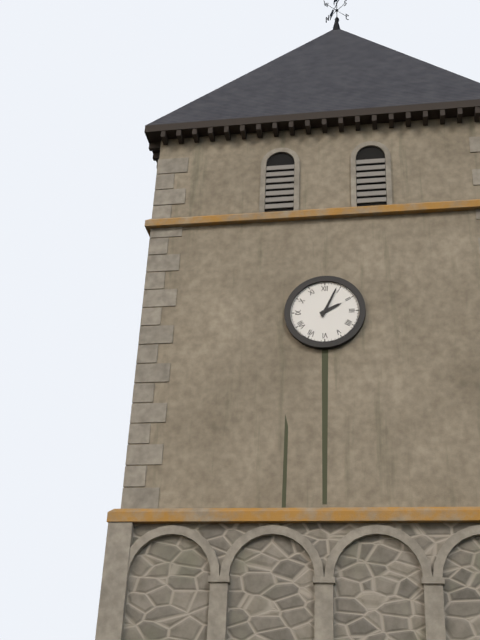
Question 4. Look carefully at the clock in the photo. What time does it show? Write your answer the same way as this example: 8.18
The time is 2.04
